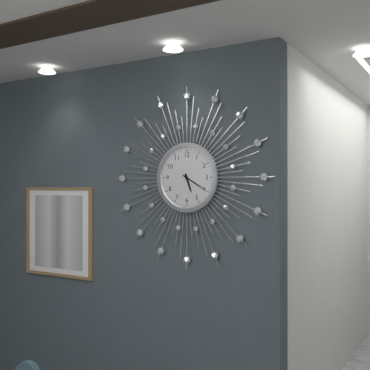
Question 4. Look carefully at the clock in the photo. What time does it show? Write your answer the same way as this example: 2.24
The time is 5.20
